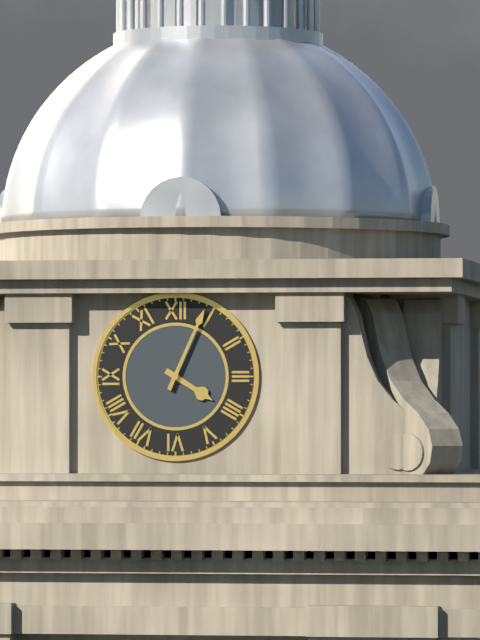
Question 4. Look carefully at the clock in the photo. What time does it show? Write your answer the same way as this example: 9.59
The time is 4.04
